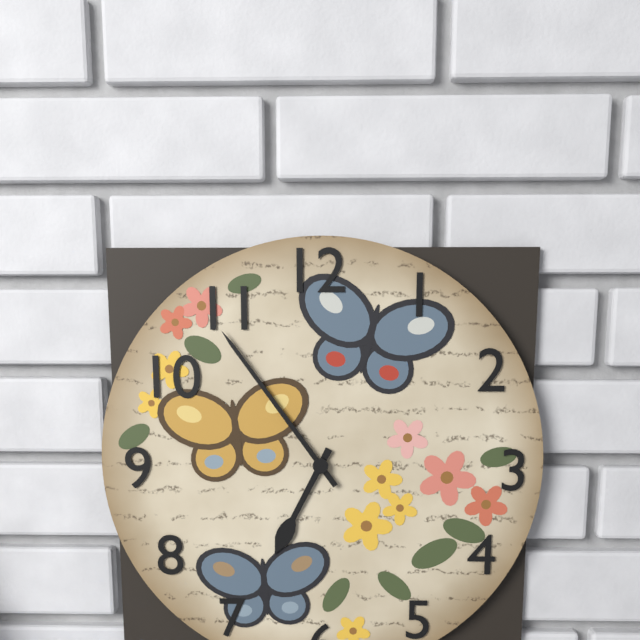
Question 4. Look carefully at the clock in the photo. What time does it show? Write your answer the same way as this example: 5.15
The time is 6.54
